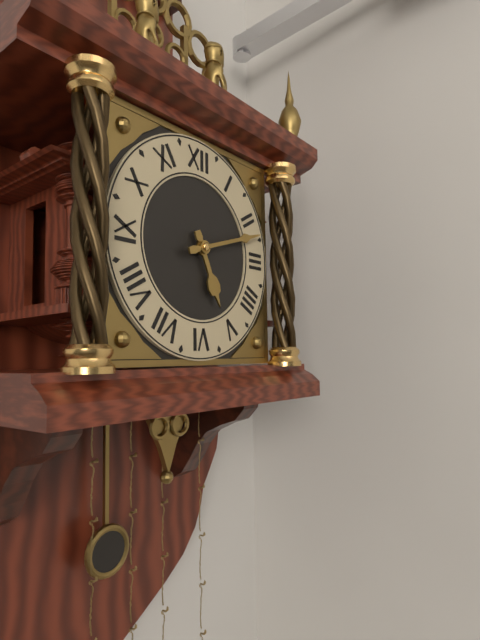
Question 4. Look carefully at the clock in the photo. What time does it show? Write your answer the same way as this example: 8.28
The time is 5.12
